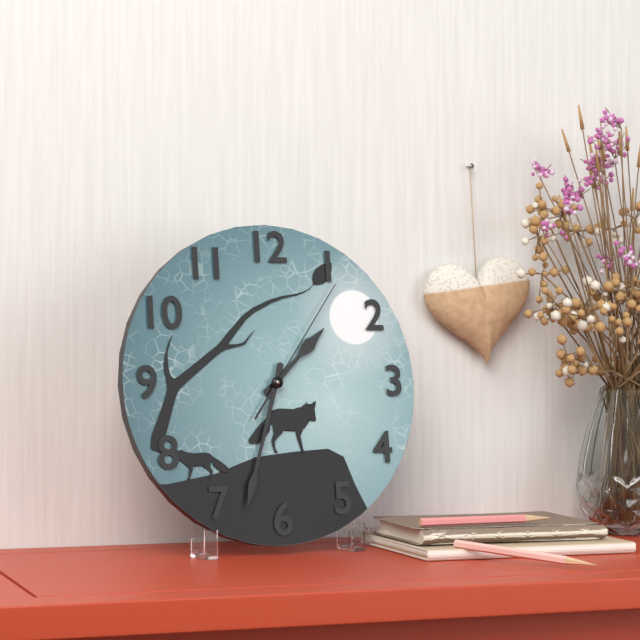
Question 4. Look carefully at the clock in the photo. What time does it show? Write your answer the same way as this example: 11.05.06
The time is 1.33.06
